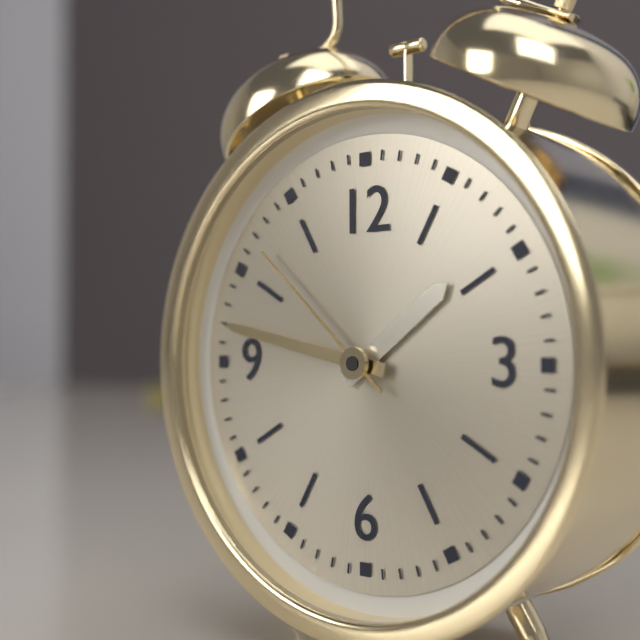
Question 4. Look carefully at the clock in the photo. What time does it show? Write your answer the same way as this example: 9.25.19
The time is 1.47.52
